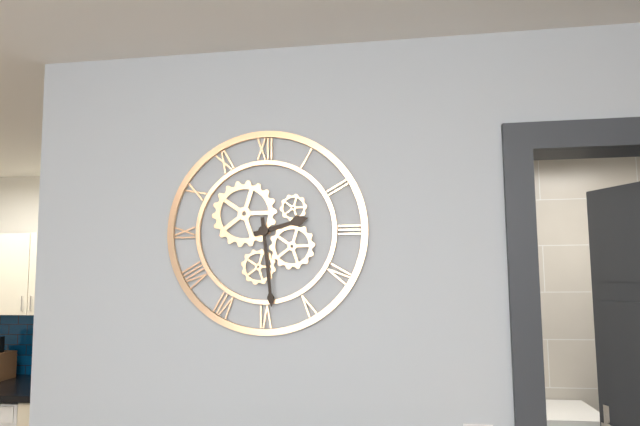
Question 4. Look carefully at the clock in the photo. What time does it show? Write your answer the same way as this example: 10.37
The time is 2.29
